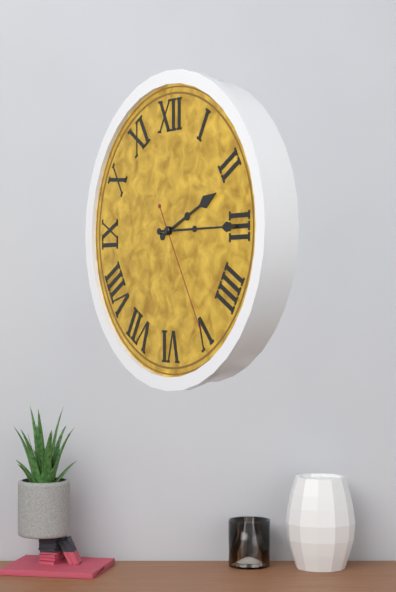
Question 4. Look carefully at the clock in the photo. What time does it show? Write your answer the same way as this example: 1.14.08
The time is 2.15.25
